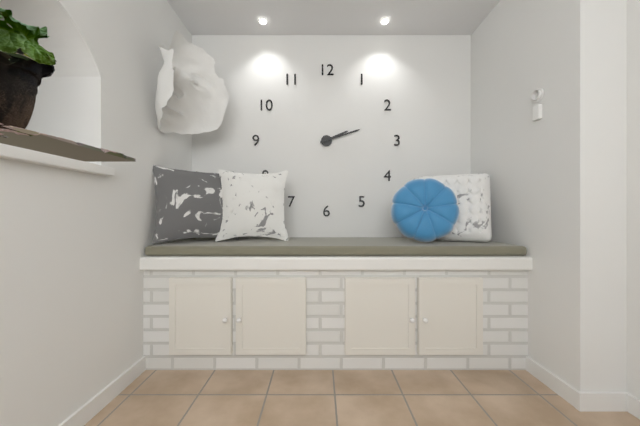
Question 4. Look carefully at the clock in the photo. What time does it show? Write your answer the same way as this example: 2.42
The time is 2.12
